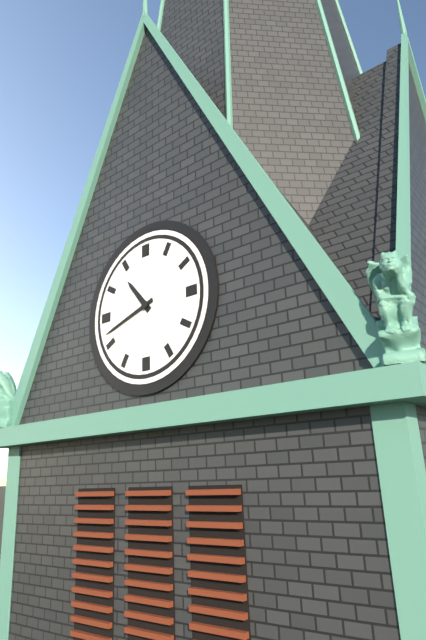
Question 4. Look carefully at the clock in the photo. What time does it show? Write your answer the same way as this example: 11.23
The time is 10.42
